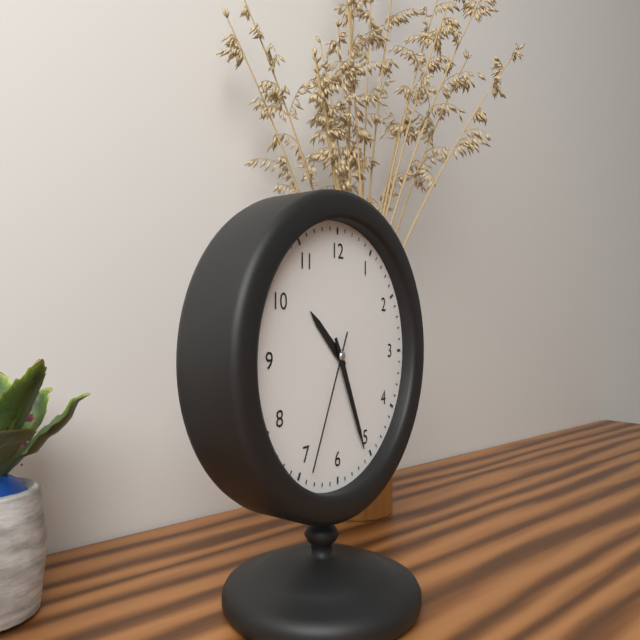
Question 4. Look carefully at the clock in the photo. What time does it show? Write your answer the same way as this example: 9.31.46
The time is 10.26.34
